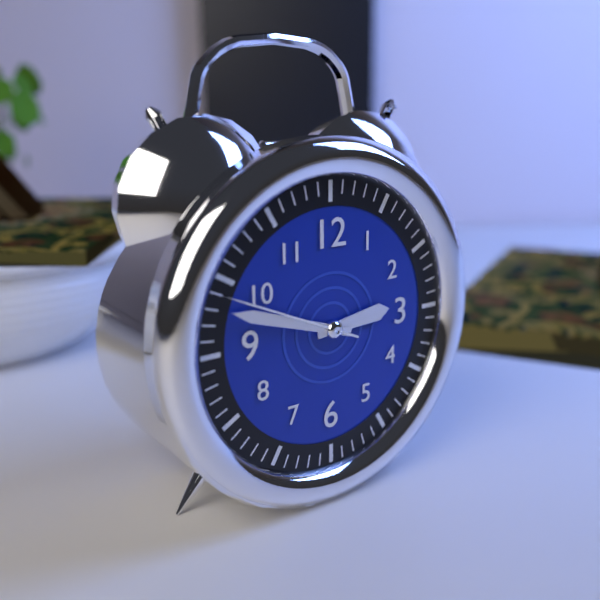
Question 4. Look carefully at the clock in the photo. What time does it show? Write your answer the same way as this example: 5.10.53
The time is 2.48.49
